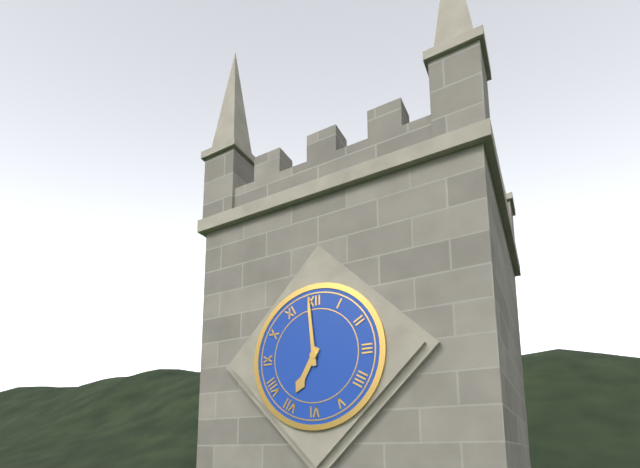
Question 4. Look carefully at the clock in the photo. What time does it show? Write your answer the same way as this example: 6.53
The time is 6.59
